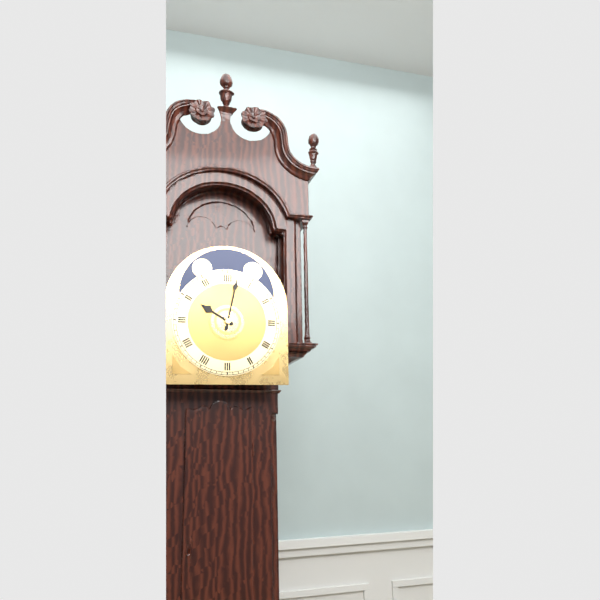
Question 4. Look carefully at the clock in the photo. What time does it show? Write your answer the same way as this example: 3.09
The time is 10.02
